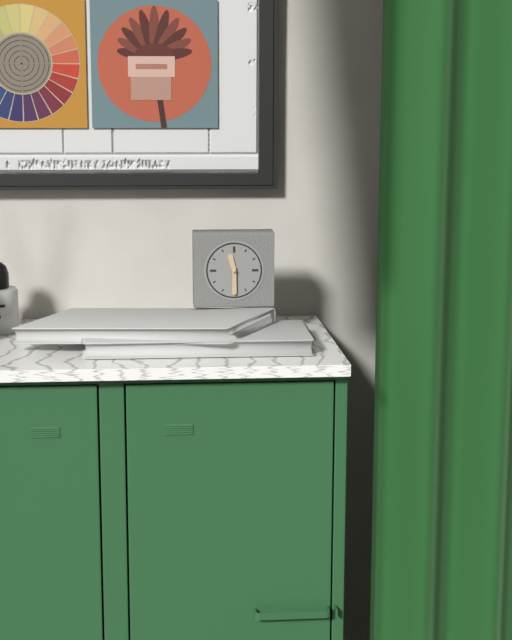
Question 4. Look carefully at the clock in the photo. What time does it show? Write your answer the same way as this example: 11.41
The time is 11.30
